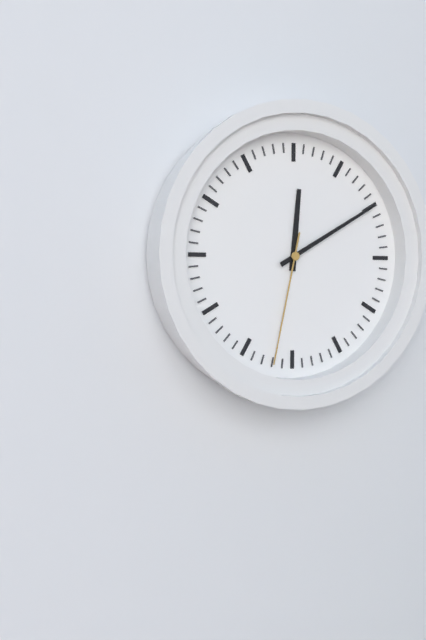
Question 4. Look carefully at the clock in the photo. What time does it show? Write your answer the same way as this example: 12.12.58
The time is 12.10.32
